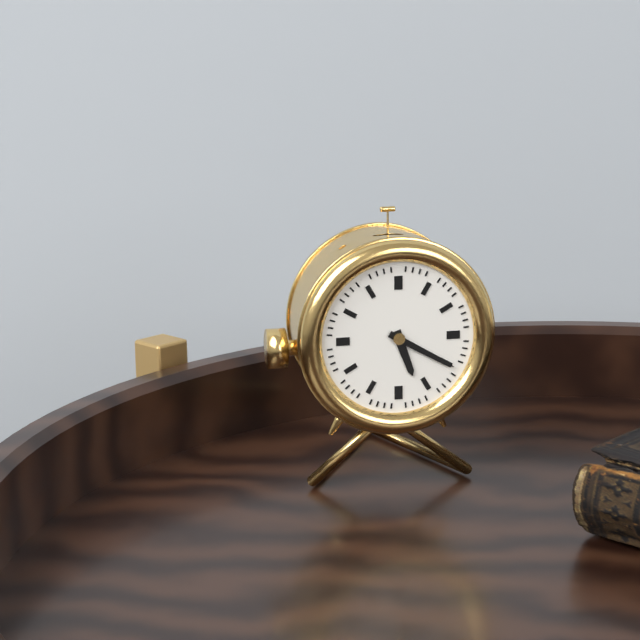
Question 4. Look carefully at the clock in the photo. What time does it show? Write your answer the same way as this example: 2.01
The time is 5.20
